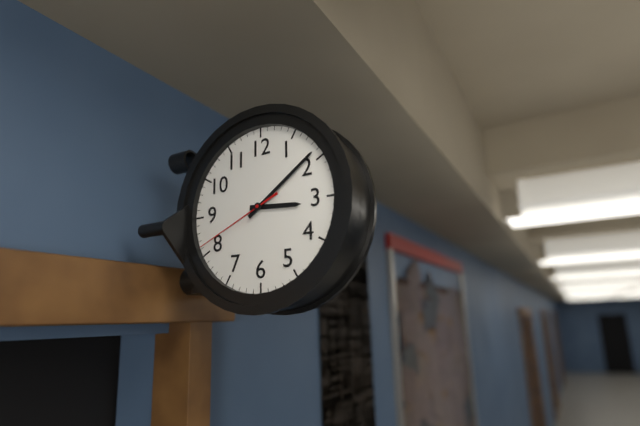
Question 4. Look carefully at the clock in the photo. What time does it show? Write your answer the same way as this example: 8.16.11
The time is 3.09.41
